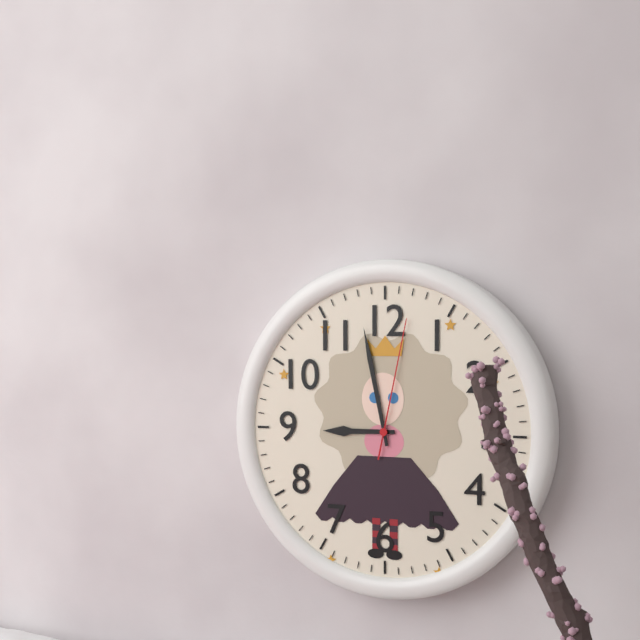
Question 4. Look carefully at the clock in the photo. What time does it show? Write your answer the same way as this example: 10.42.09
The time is 8.58.02
